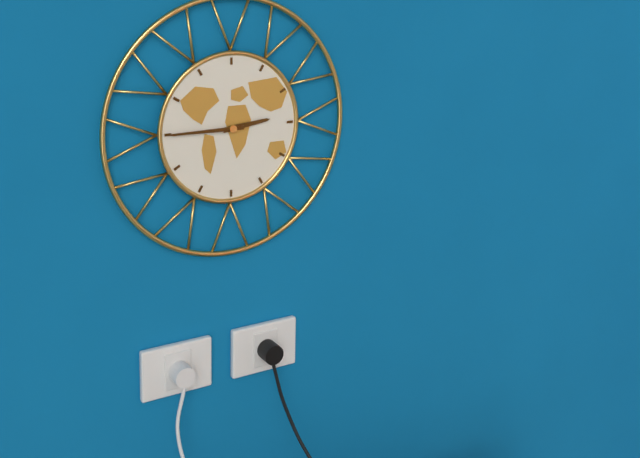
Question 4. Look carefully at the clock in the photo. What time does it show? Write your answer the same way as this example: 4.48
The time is 2.45
